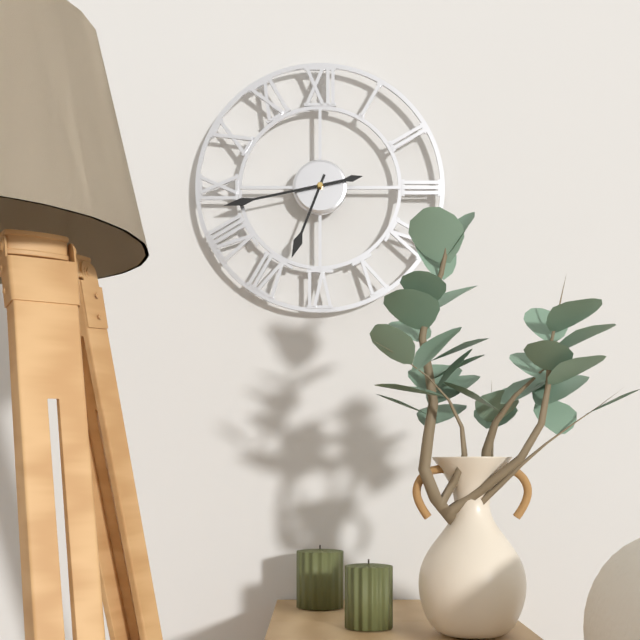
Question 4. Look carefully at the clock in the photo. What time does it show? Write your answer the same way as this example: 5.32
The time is 6.43
